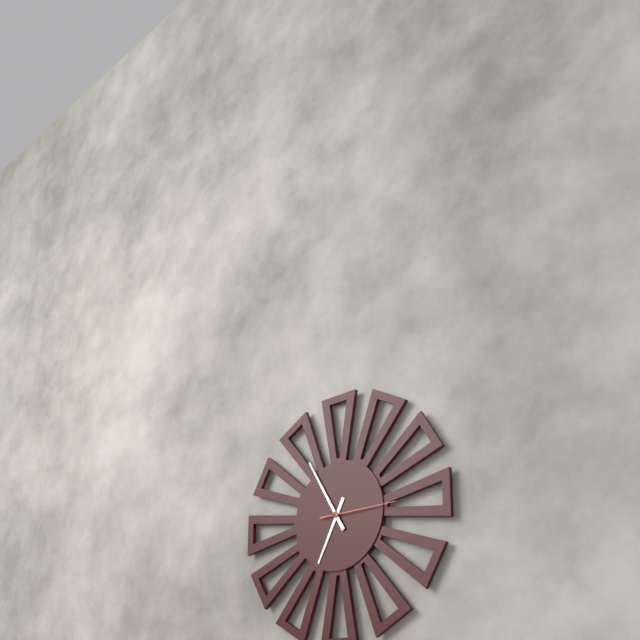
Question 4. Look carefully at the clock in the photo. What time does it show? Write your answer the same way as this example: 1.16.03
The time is 6.55.15
